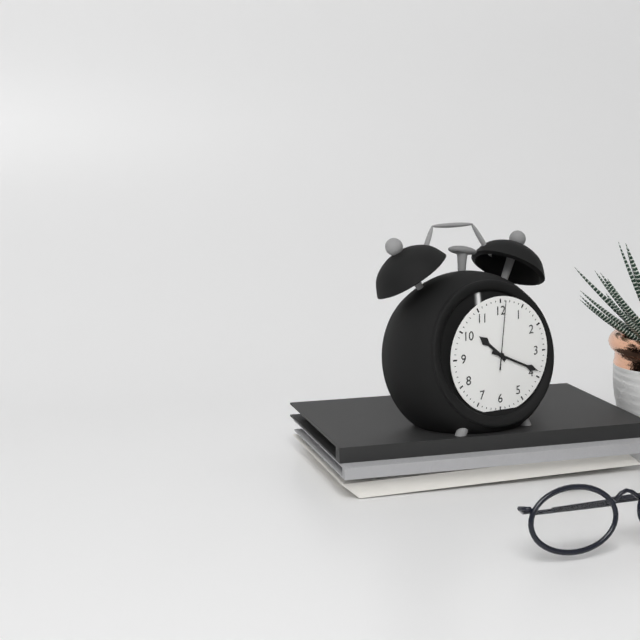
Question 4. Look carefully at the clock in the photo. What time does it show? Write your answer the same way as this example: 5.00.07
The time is 10.19.01
